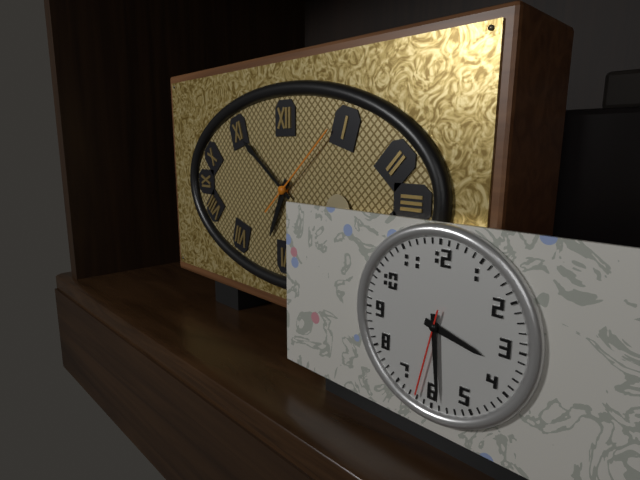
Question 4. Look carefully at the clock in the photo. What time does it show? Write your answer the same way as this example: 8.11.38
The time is 6.51.08
